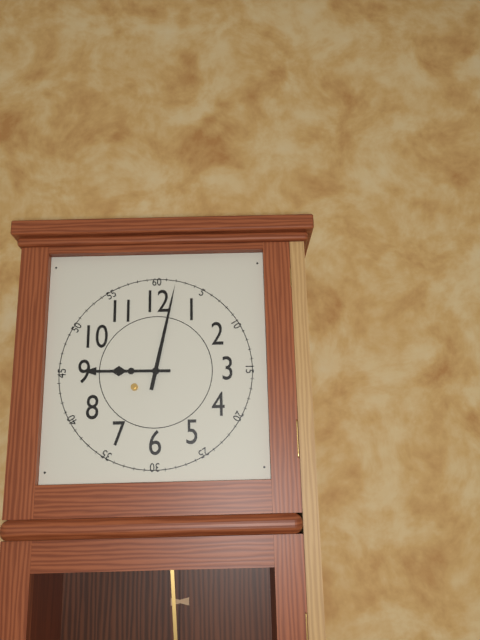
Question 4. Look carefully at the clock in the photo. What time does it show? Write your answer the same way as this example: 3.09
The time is 9.02
